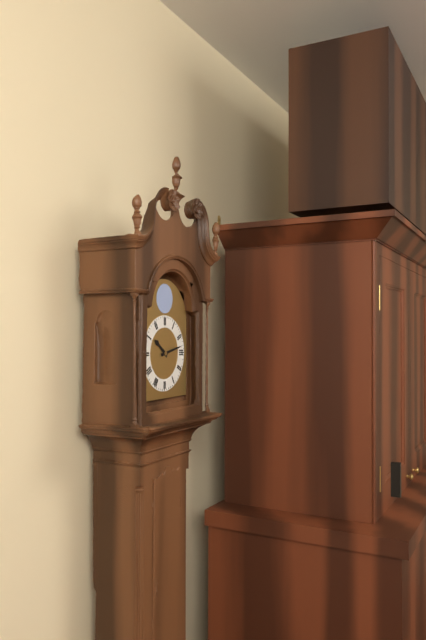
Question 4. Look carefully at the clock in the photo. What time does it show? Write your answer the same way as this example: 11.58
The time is 10.13
